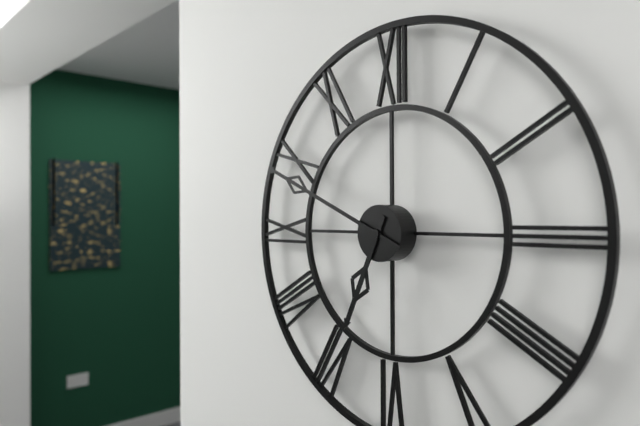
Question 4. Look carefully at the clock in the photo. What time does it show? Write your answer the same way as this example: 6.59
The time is 6.49
